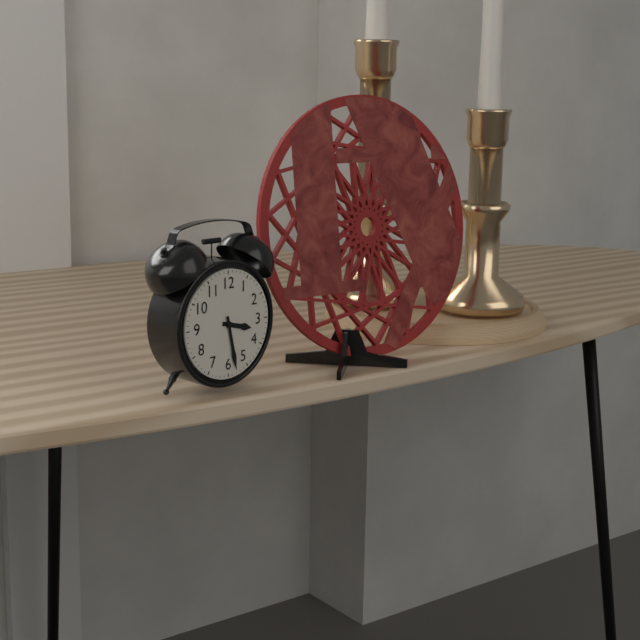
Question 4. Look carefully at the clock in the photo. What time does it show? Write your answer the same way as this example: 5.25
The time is 3.28
